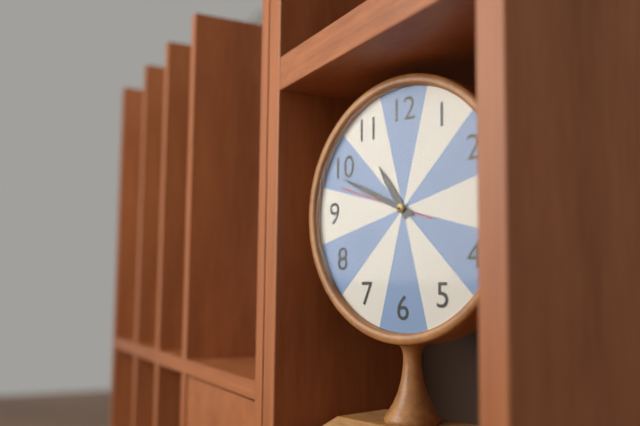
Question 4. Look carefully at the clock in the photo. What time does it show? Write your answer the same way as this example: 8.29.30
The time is 10.49.48
